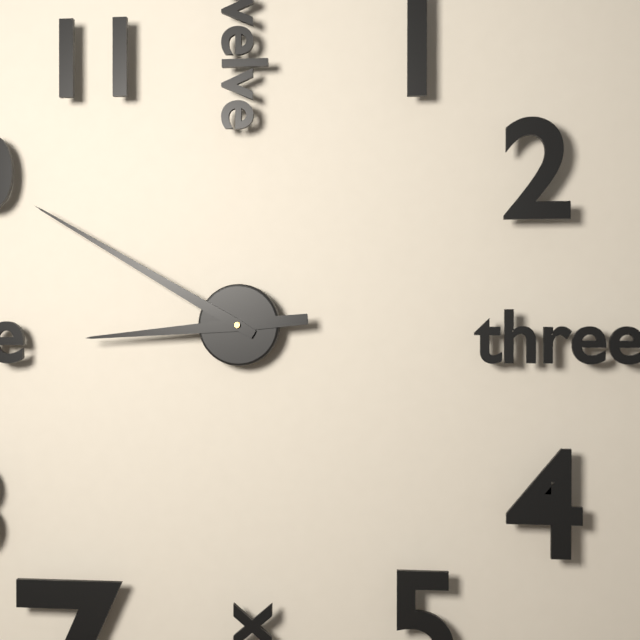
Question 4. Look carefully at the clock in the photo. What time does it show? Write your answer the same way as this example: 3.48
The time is 8.50
